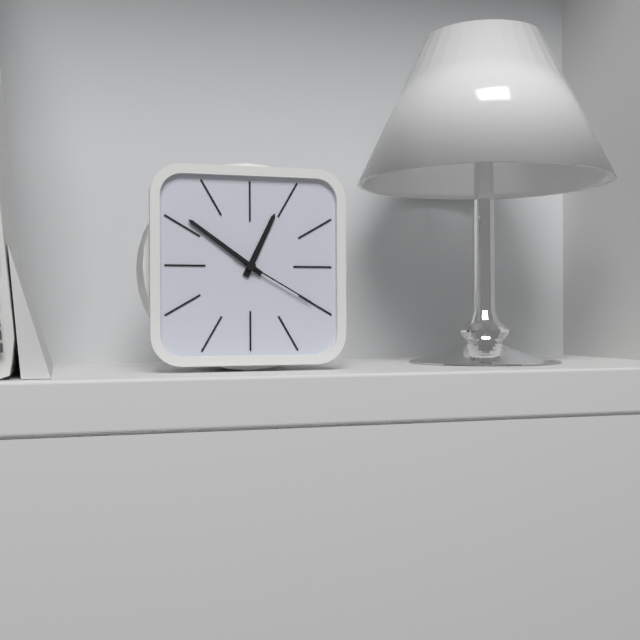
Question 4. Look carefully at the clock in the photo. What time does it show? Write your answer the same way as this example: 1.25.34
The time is 12.51.20
